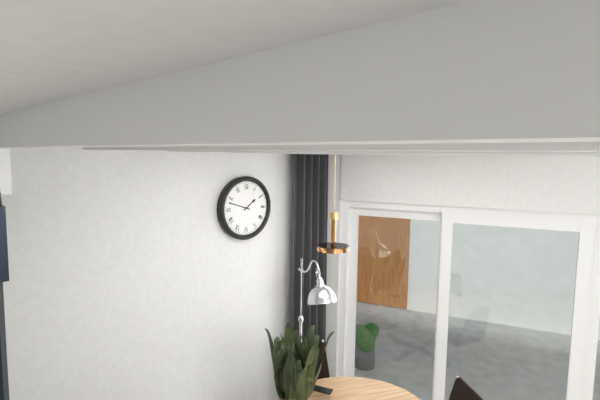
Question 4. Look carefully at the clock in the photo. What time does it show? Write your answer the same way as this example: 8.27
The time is 1.48
